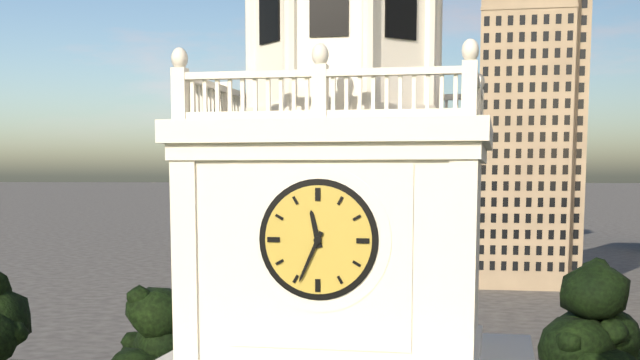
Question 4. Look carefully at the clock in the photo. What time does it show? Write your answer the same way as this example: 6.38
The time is 11.34
